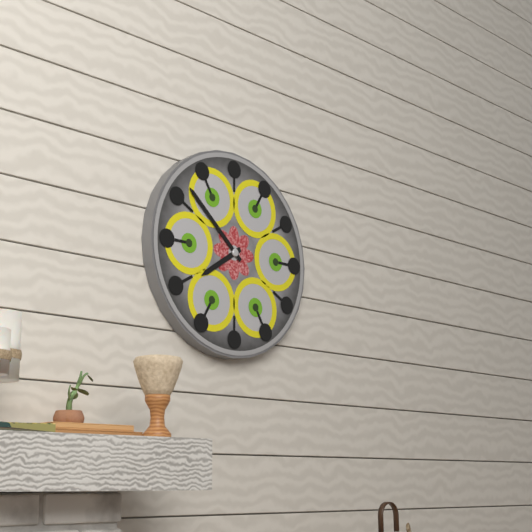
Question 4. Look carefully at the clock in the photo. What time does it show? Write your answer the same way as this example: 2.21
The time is 7.52
